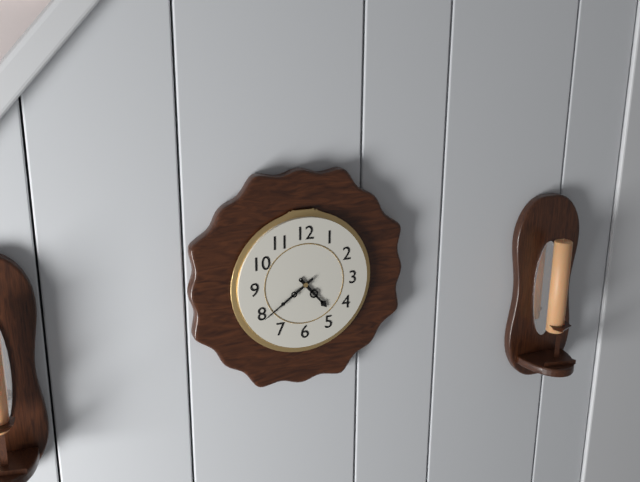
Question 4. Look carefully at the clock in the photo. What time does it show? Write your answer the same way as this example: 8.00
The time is 4.39
